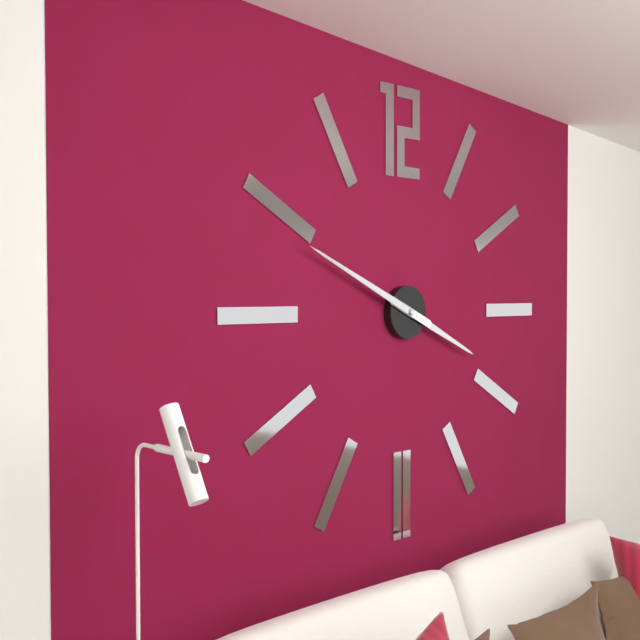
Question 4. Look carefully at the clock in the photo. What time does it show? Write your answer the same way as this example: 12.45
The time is 3.49
